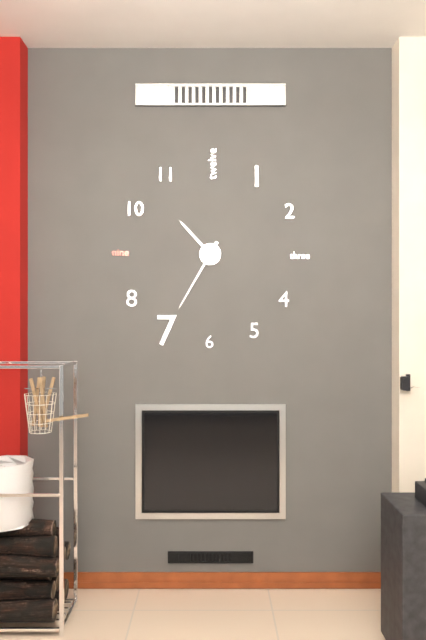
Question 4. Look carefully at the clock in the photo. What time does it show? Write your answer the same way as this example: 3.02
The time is 10.35
